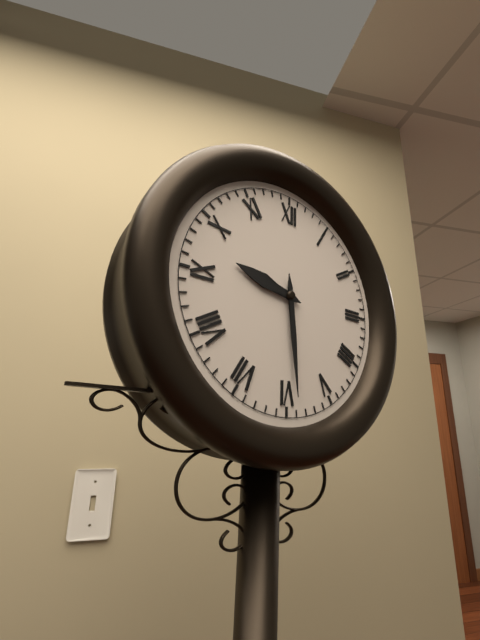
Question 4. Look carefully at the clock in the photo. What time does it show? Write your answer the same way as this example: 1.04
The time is 9.29
